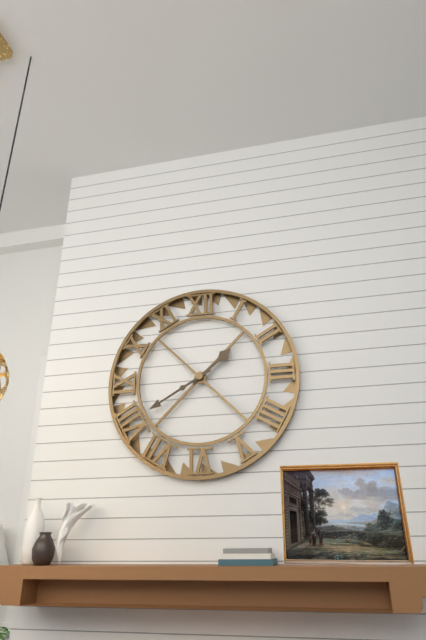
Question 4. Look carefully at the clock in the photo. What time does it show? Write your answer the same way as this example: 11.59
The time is 1.40
